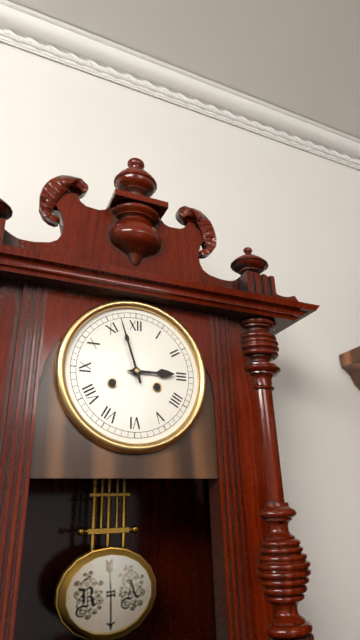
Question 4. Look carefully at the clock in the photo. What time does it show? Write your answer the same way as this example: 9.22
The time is 2.57
